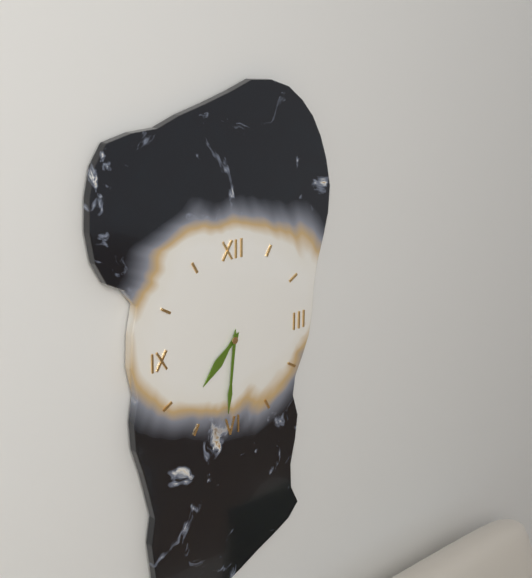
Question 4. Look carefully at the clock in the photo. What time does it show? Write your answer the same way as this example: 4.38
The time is 7.31
